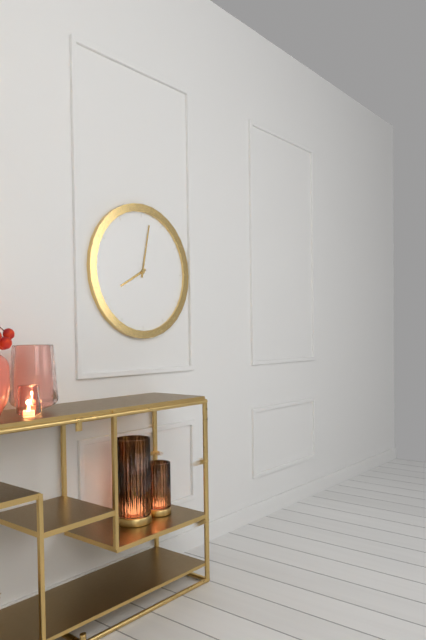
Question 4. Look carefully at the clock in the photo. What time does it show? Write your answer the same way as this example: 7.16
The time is 8.02
